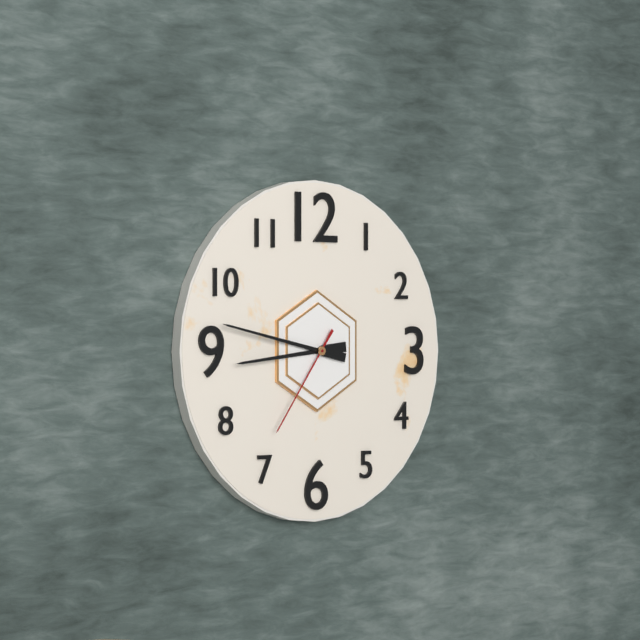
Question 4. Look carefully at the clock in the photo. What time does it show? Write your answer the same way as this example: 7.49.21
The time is 8.47.36
